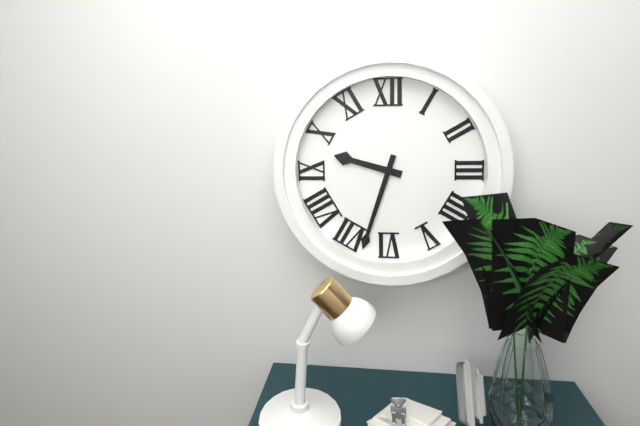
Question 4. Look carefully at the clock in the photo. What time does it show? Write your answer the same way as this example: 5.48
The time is 9.33
